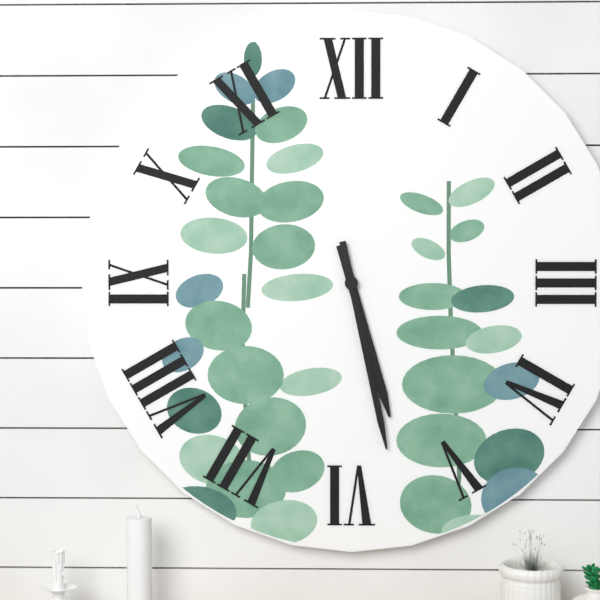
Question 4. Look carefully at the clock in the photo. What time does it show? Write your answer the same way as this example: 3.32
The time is 5.28
